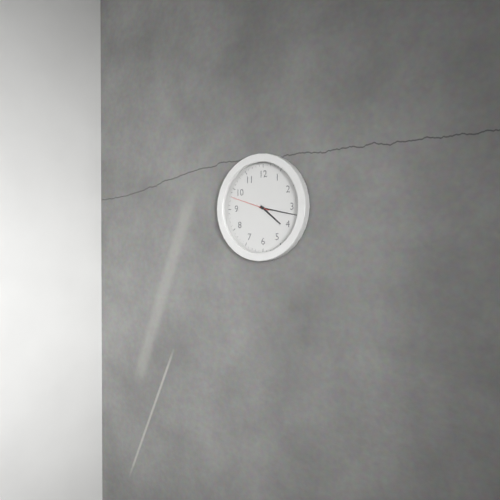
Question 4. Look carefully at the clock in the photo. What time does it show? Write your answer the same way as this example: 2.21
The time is 4.17
